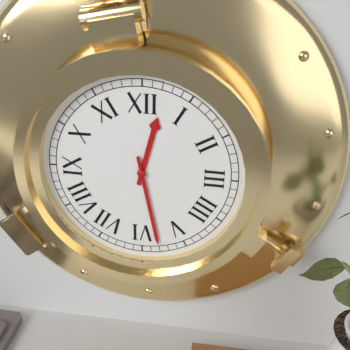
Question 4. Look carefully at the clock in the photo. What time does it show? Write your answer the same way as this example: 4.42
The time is 12.28
